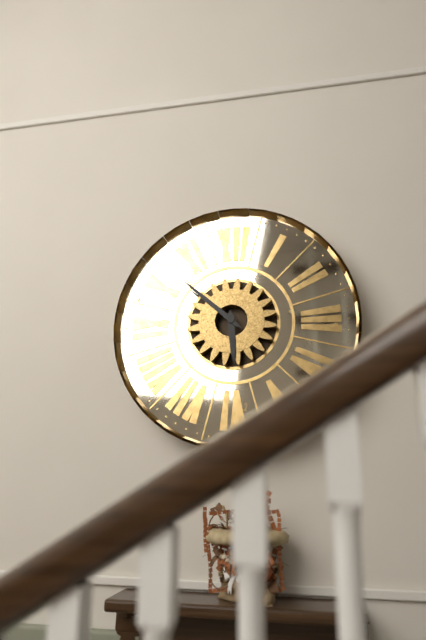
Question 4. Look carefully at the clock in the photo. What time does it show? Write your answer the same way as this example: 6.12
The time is 5.52
